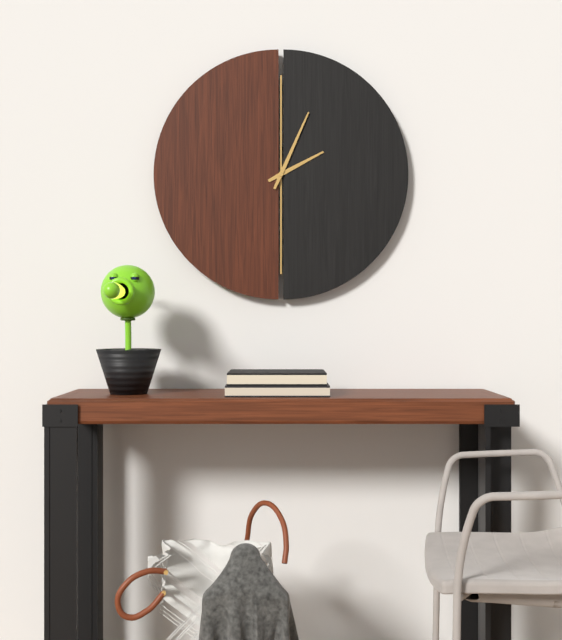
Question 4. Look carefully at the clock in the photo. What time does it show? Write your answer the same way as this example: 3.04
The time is 2.04
